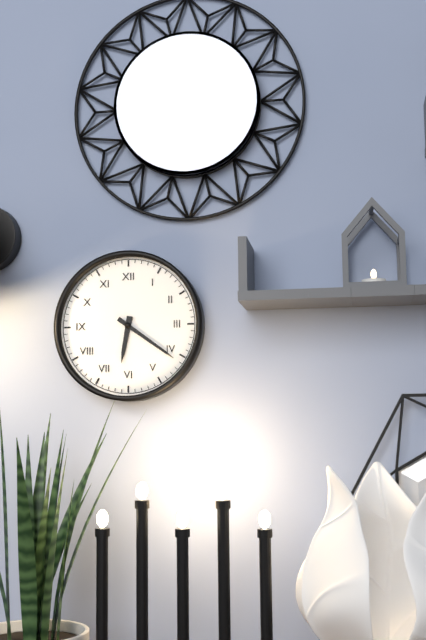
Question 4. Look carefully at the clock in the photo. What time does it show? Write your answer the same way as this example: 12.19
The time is 6.21
